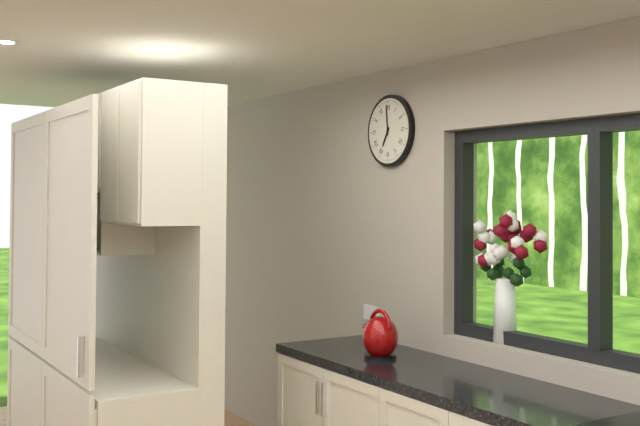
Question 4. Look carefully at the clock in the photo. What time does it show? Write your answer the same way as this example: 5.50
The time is 6.59
